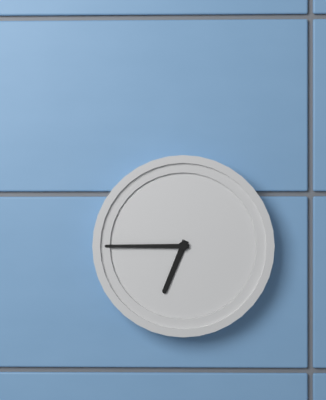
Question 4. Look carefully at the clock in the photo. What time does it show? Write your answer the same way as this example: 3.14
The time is 6.45
